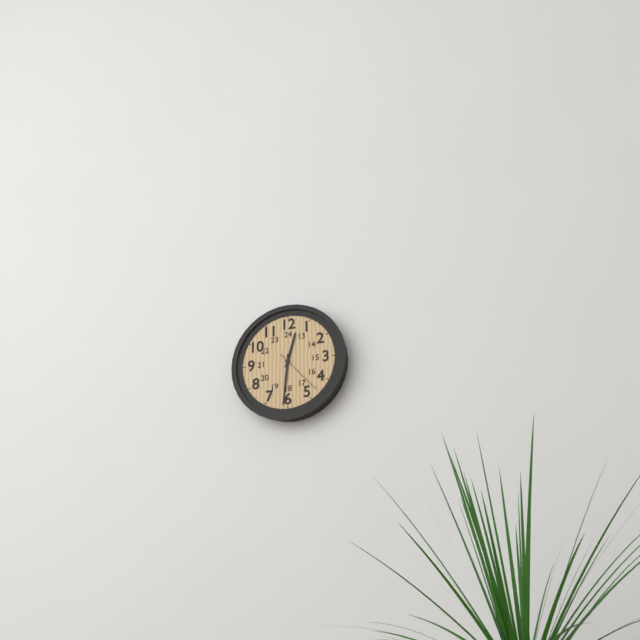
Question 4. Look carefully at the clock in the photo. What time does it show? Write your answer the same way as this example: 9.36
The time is 12.31
